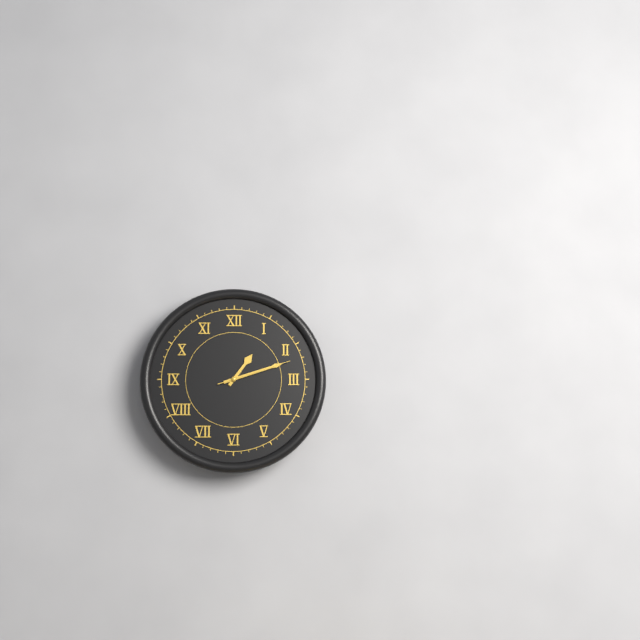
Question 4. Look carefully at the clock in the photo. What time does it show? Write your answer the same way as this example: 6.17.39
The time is 1.12.12
